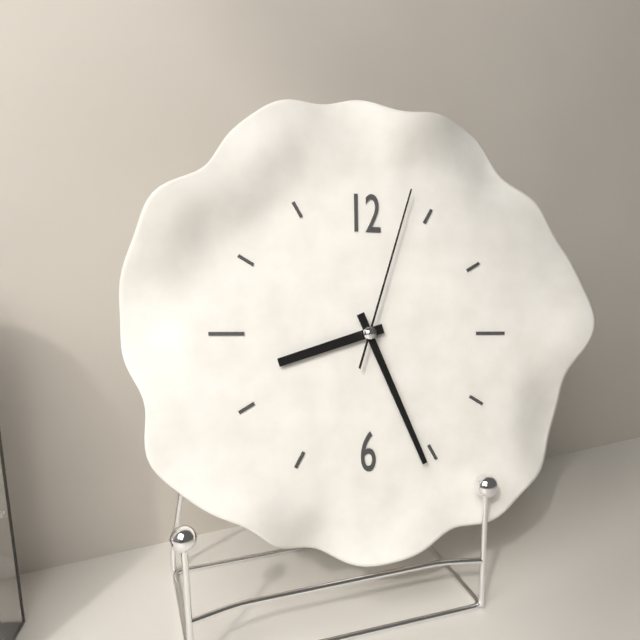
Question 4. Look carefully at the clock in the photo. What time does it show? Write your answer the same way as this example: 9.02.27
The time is 8.26.03
